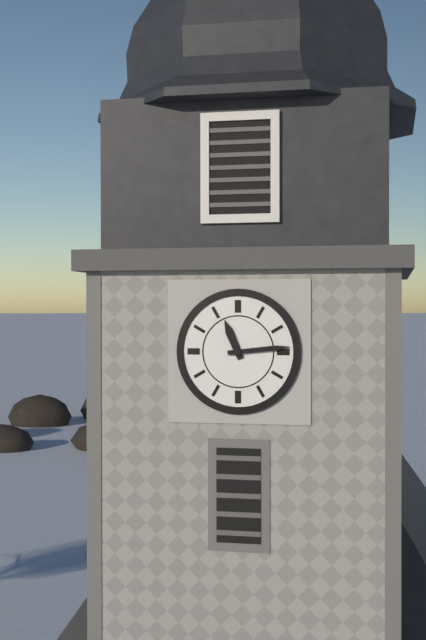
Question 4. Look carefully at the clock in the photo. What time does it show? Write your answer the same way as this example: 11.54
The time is 11.14
